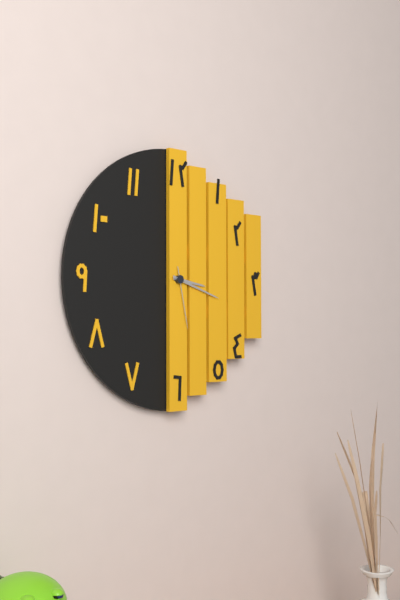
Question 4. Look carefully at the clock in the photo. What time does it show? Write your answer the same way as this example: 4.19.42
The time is 3.18.28
